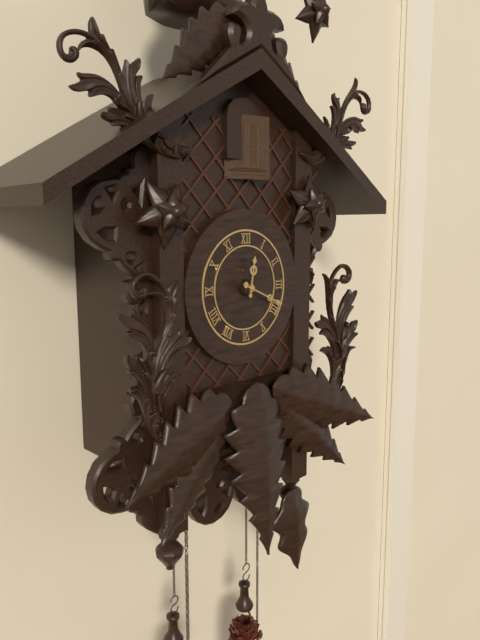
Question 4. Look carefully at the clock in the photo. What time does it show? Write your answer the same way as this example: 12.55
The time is 12.19
